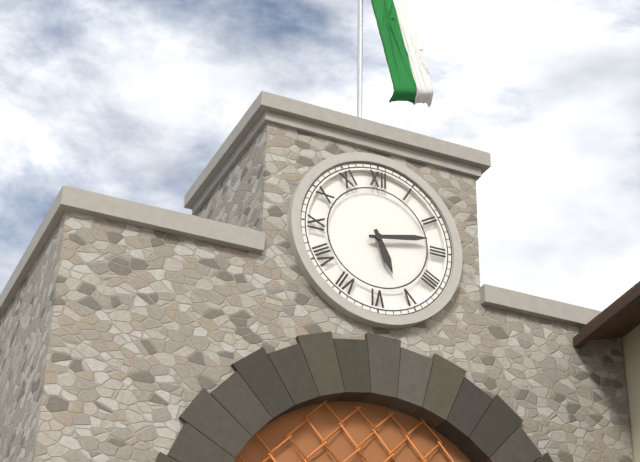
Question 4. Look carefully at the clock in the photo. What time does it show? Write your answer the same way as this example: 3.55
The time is 5.13
